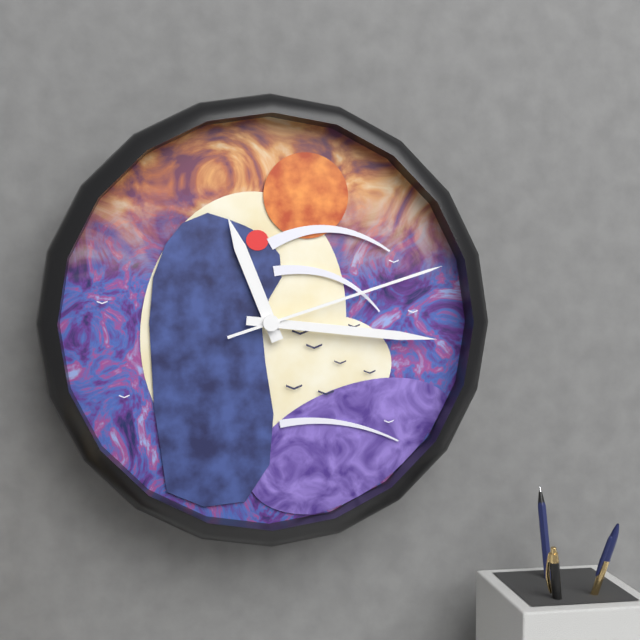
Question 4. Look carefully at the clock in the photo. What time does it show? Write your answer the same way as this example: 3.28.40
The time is 11.16.12
